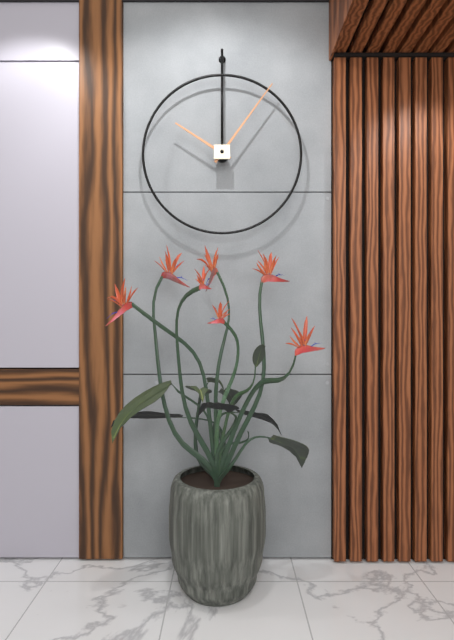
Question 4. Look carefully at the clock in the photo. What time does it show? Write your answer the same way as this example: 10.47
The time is 10.06
